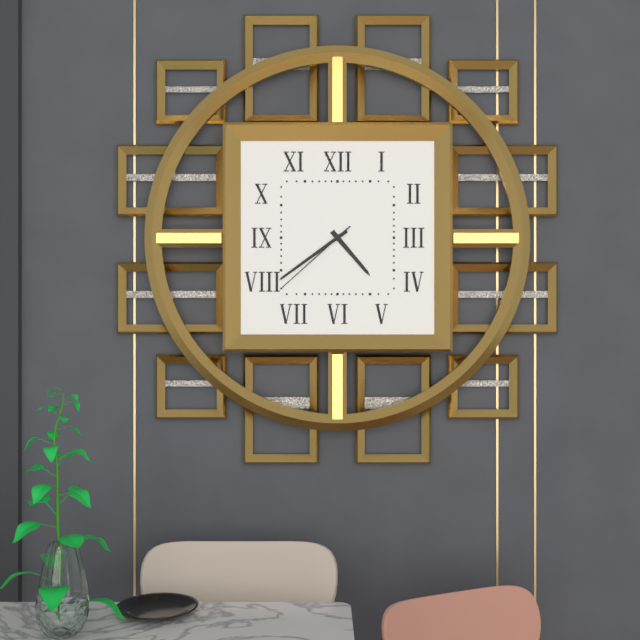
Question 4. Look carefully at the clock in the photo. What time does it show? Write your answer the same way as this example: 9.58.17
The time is 4.39.38
